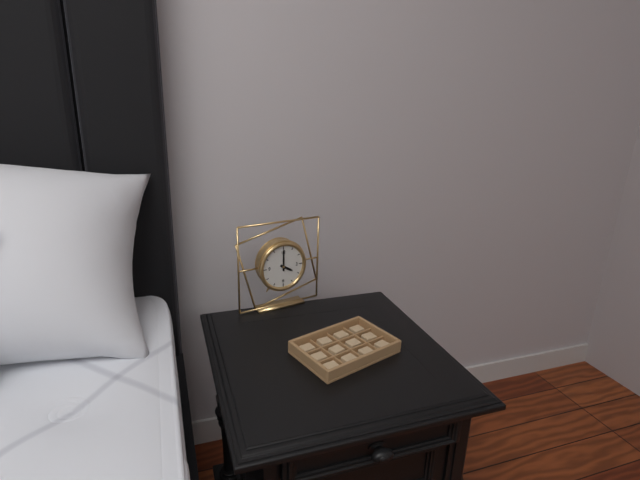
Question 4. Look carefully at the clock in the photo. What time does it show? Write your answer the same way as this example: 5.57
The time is 4.00
